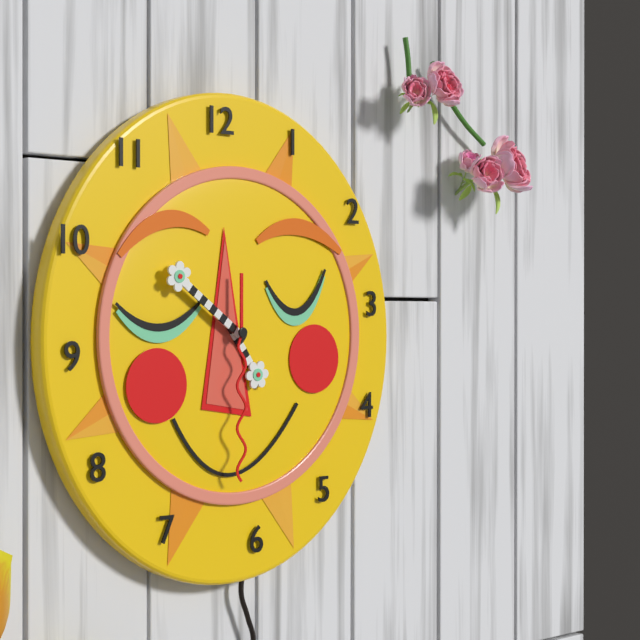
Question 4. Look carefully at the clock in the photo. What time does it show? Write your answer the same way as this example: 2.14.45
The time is 4.51.30
